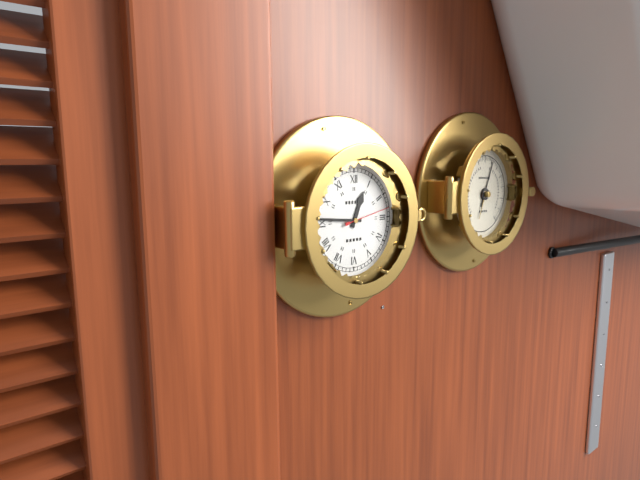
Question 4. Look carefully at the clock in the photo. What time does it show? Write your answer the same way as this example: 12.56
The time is 12.46
